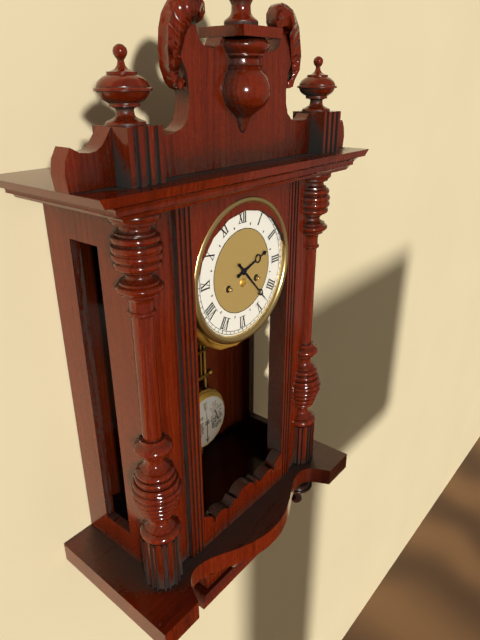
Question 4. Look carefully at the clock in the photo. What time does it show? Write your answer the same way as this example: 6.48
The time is 2.23
